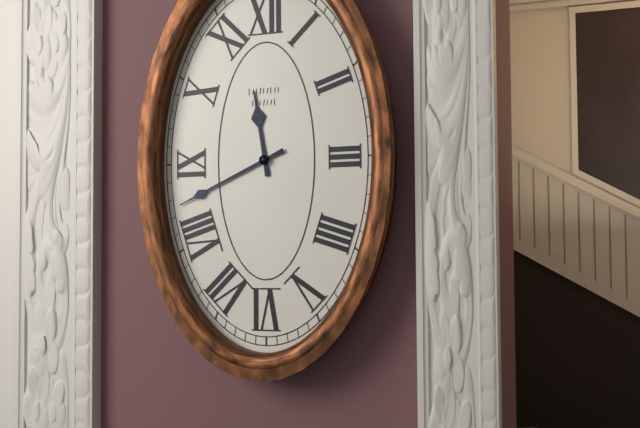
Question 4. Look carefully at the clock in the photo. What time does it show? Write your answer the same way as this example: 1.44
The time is 11.41
